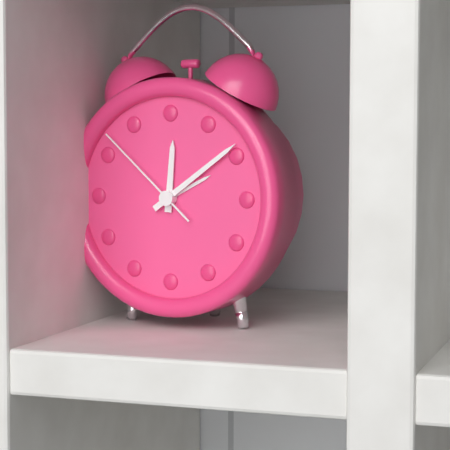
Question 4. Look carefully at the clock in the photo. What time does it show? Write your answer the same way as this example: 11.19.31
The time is 12.09.52
